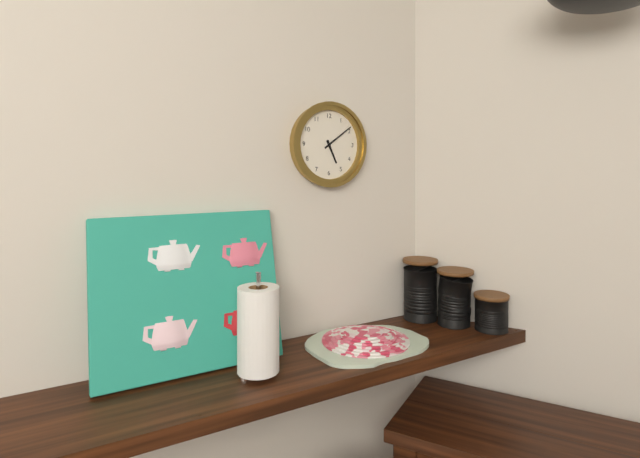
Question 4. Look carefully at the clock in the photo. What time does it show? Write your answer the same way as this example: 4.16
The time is 5.09
